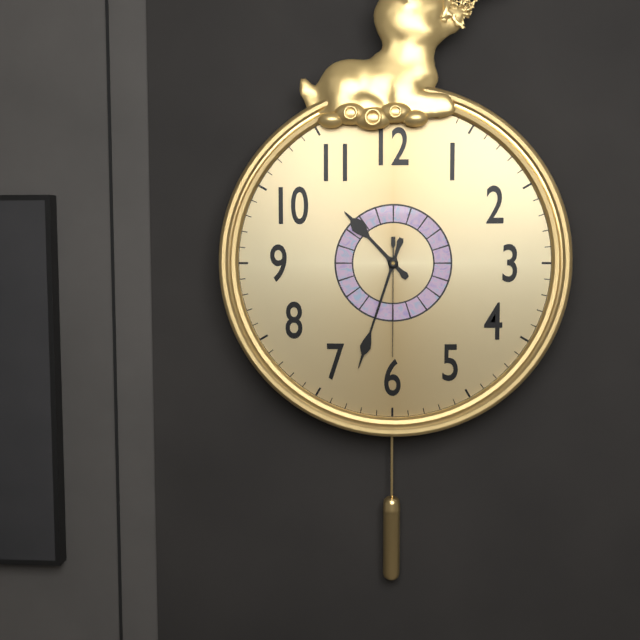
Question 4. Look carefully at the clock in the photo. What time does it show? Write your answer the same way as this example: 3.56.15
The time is 10.33.30
